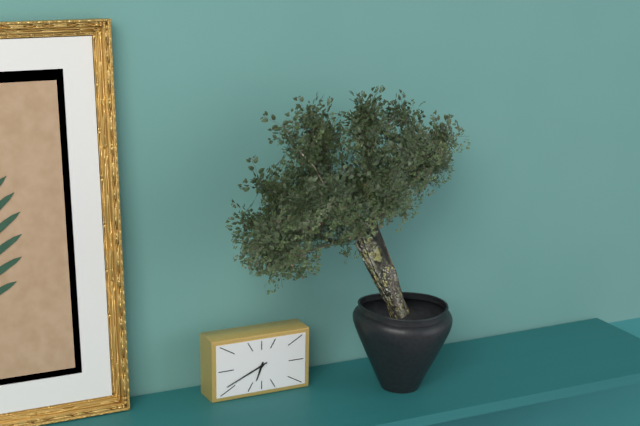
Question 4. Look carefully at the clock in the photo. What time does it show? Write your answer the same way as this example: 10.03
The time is 6.41
